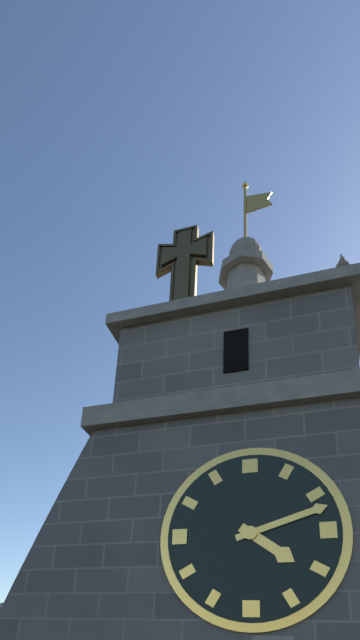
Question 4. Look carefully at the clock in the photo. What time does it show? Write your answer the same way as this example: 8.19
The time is 4.12
